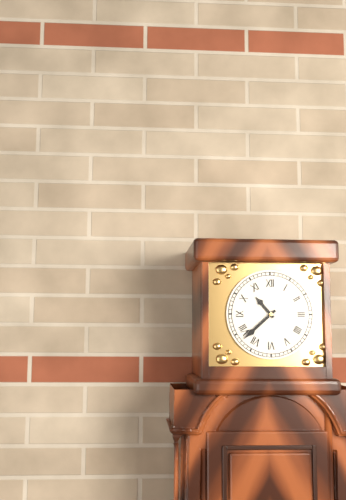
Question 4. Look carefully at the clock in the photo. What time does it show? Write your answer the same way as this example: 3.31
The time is 10.38
